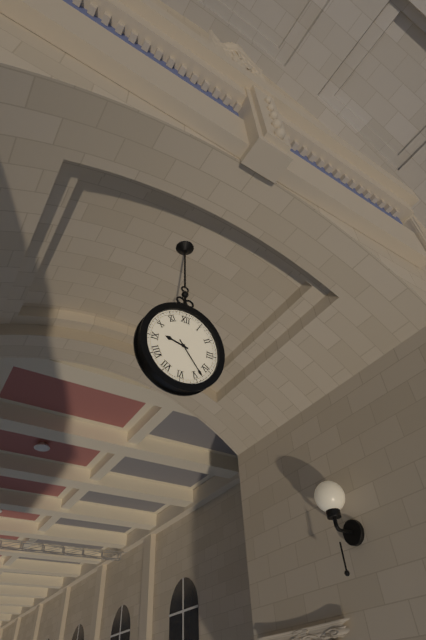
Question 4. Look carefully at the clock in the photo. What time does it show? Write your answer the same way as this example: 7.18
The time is 9.23
